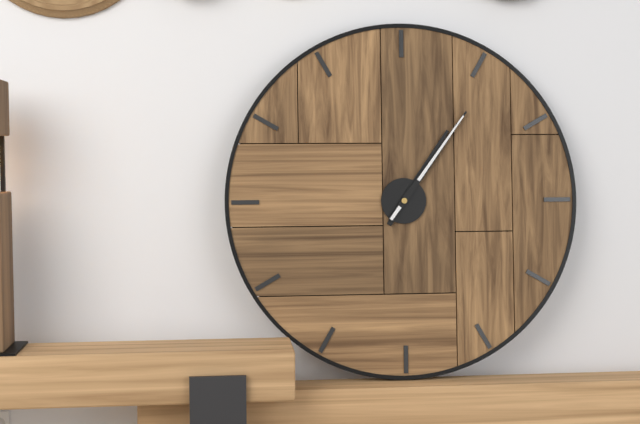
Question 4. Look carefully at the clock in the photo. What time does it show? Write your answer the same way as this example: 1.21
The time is 1.06
